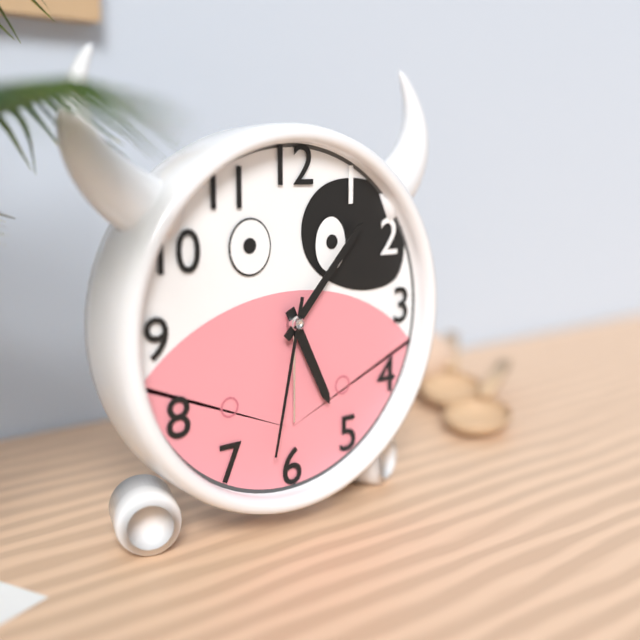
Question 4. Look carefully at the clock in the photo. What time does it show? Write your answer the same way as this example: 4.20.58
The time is 5.07.32
